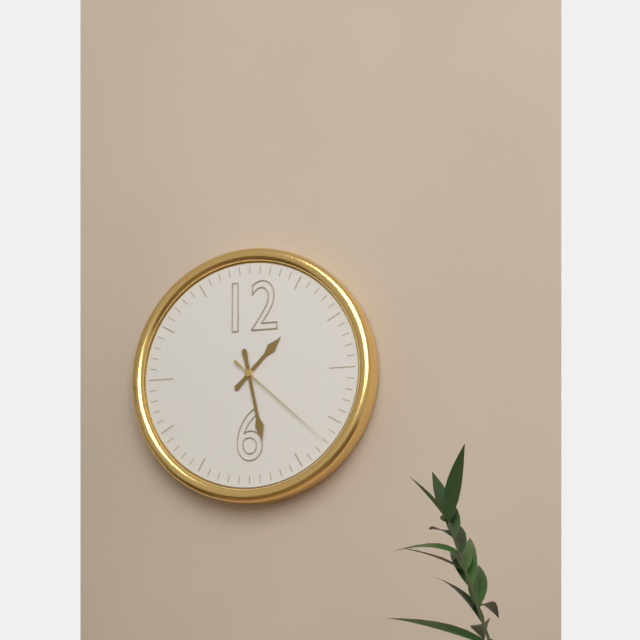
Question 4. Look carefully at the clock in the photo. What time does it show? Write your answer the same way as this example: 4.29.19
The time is 1.28.22
